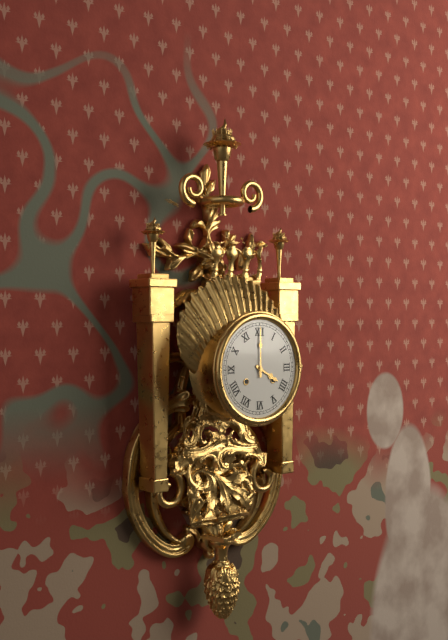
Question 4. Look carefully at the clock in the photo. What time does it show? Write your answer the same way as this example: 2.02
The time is 4.00
